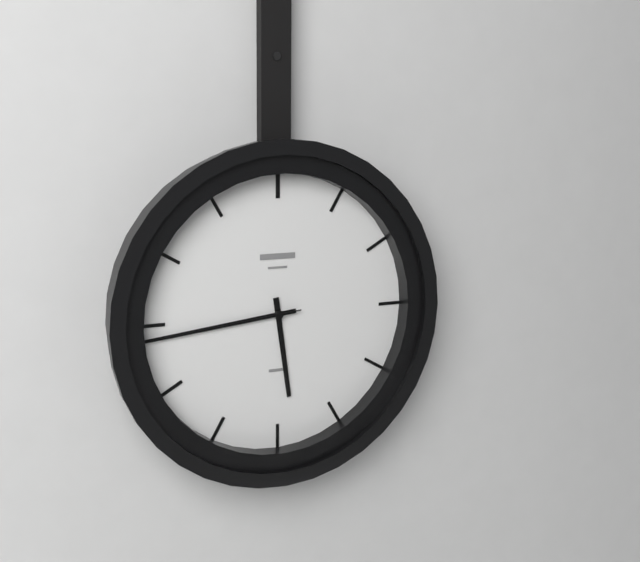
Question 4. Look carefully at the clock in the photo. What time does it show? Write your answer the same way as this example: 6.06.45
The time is 5.44.44
